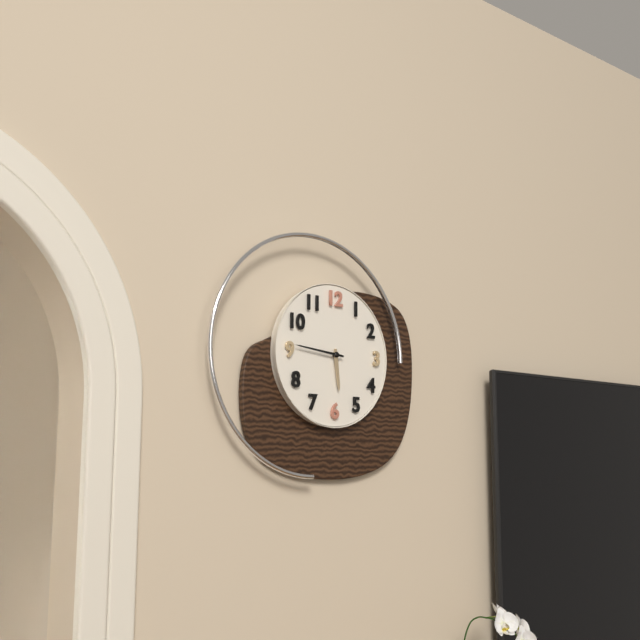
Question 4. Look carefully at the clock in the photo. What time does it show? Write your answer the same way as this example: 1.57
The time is 5.46
